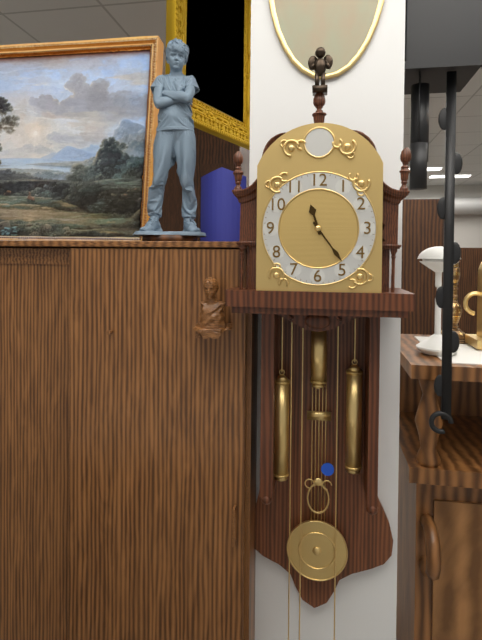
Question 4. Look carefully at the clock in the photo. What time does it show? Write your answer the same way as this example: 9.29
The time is 11.24
